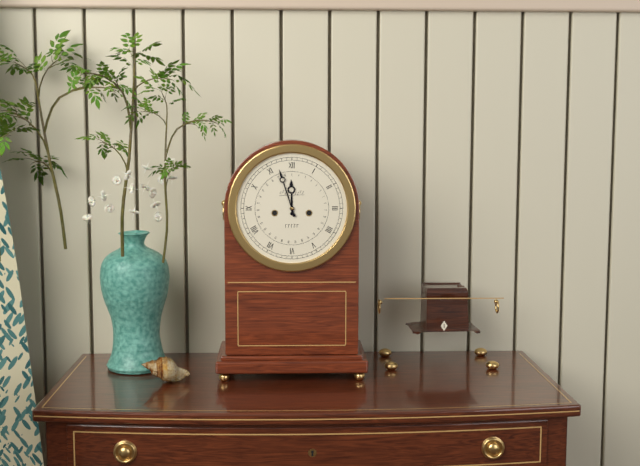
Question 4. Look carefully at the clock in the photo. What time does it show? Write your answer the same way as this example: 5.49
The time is 11.57
